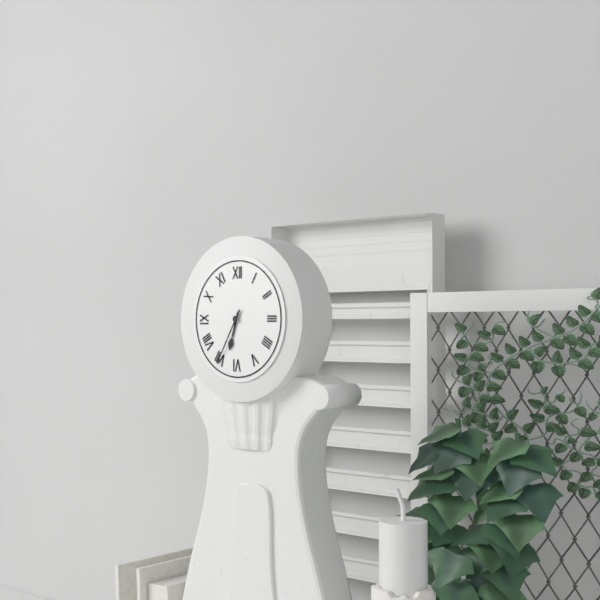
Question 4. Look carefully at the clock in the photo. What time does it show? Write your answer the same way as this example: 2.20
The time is 6.35
